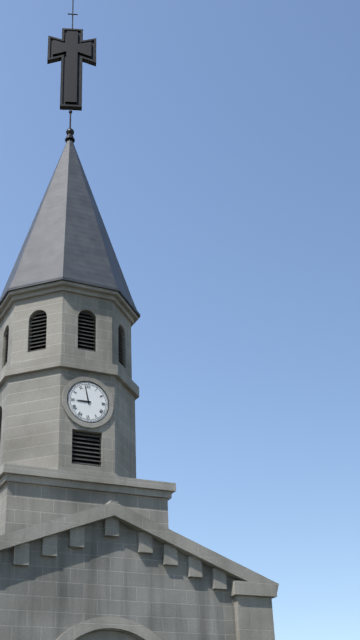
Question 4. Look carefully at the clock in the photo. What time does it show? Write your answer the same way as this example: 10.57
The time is 8.58
